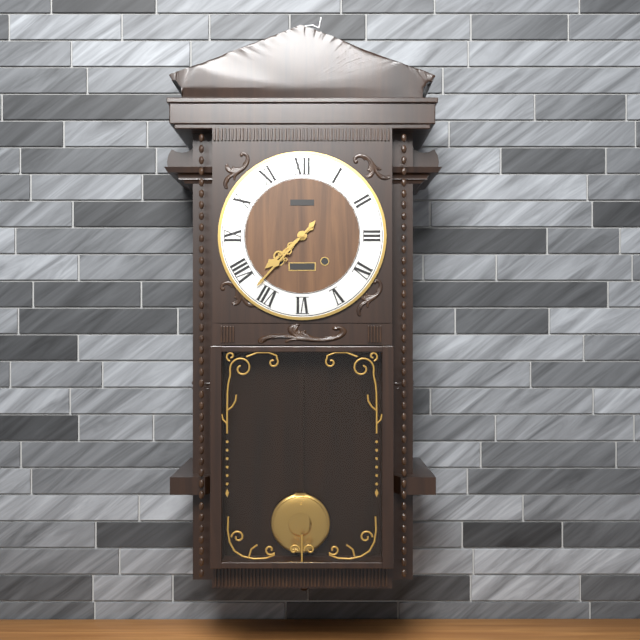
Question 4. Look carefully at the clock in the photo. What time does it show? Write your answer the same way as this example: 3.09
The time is 7.37
